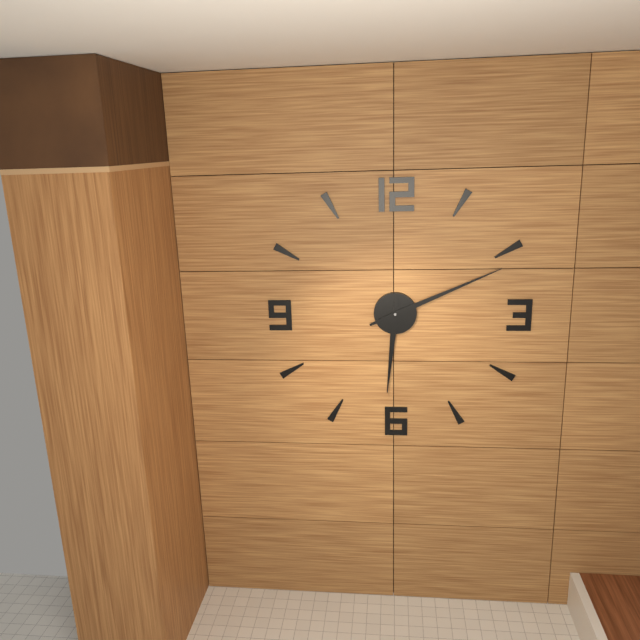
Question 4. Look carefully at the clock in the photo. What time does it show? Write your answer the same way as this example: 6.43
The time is 6.11
